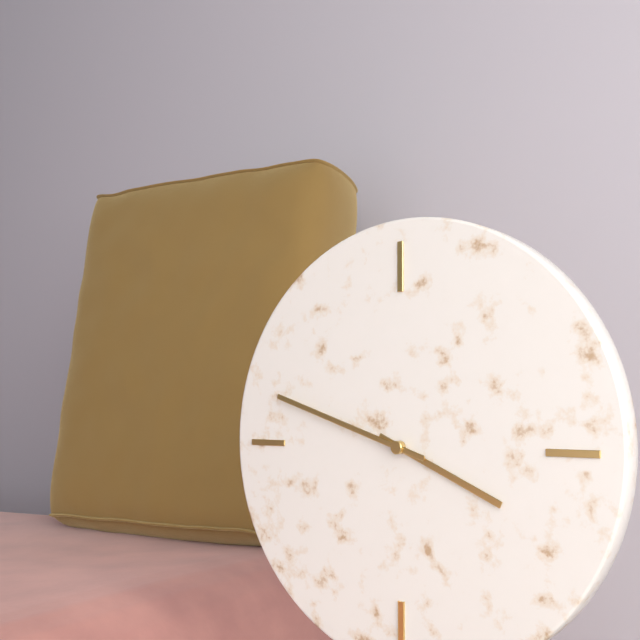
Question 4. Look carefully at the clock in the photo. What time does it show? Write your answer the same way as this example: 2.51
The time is 3.48
